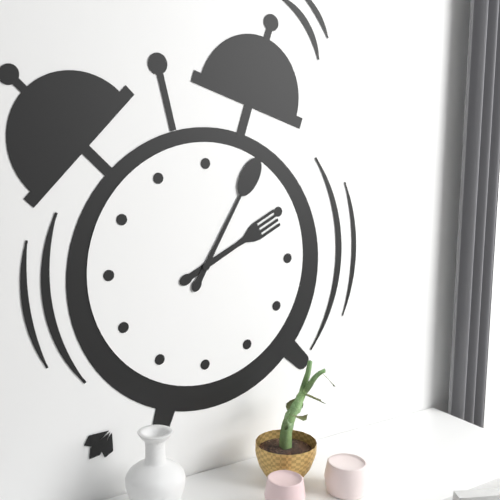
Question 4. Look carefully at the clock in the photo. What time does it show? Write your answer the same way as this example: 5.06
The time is 2.05
